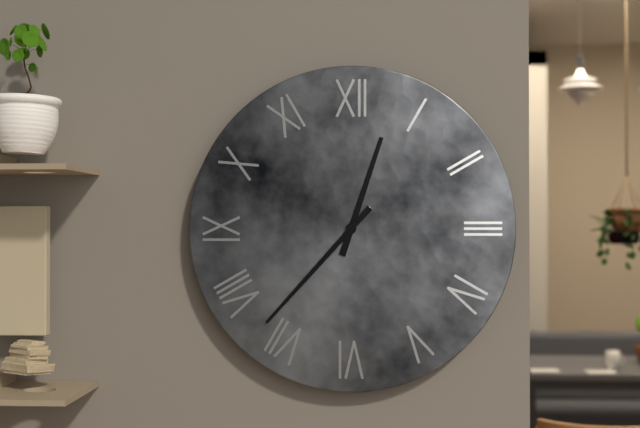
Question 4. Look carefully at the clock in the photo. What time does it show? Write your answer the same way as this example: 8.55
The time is 12.37
